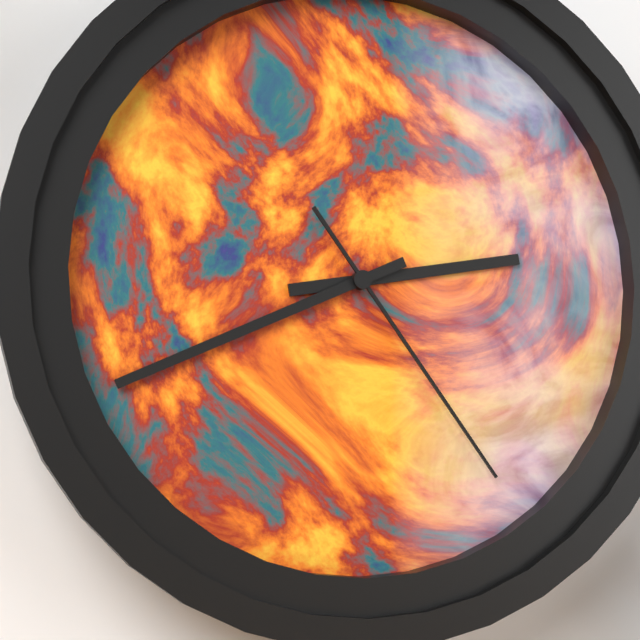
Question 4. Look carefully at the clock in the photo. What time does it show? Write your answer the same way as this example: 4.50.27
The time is 2.41.24
